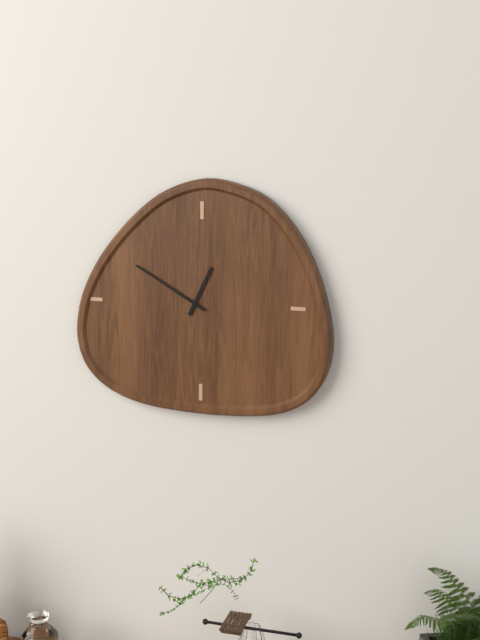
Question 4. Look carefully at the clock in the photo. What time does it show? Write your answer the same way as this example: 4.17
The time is 12.50
